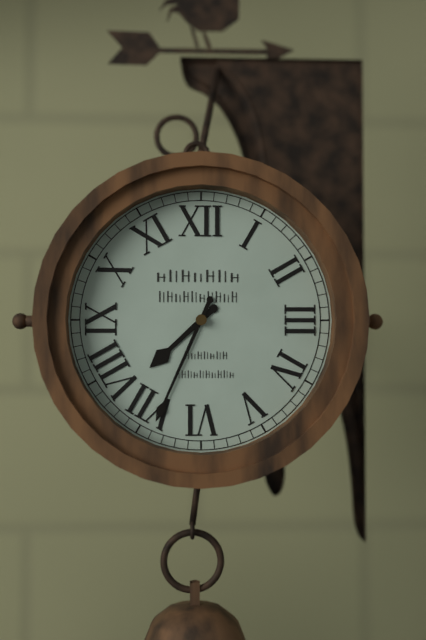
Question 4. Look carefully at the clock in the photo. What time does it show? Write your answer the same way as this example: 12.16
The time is 7.34
